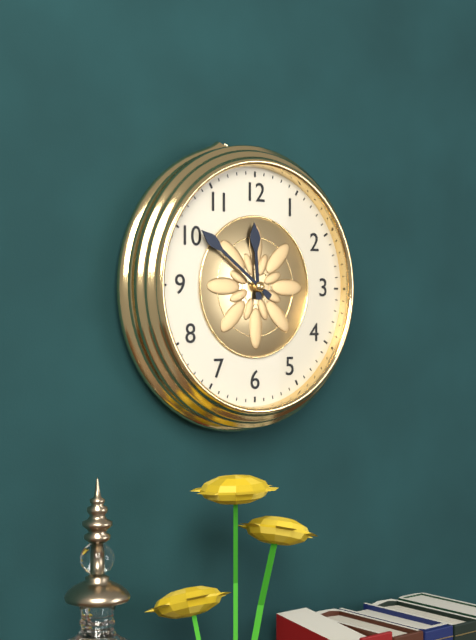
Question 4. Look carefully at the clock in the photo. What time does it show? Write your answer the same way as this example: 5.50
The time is 11.51
